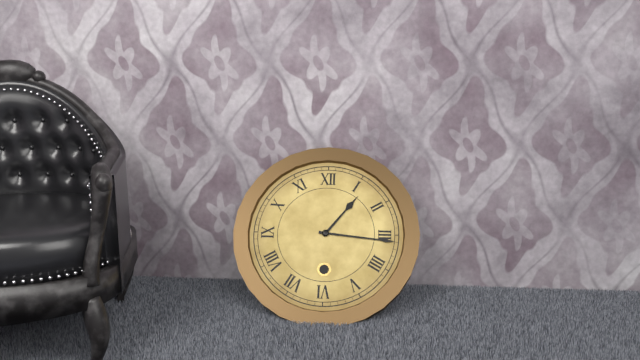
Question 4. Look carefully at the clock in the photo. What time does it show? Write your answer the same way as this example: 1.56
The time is 1.16
